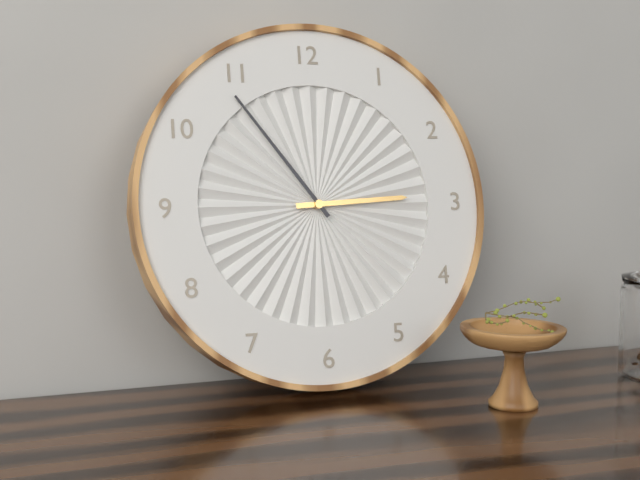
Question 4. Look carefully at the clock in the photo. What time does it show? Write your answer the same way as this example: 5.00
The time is 2.54
